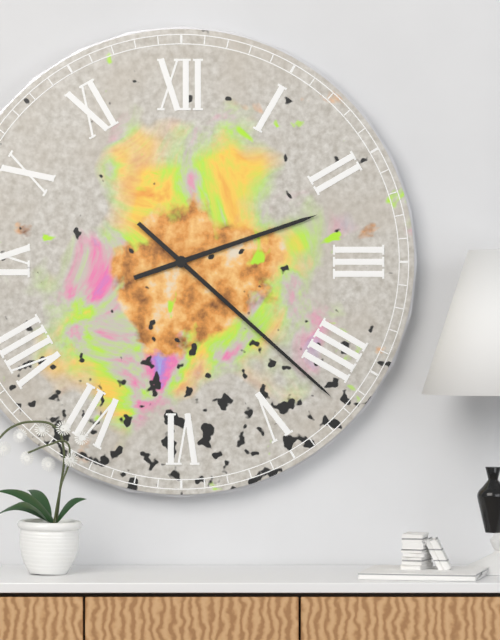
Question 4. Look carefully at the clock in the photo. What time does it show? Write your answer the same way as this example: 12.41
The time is 2.22
